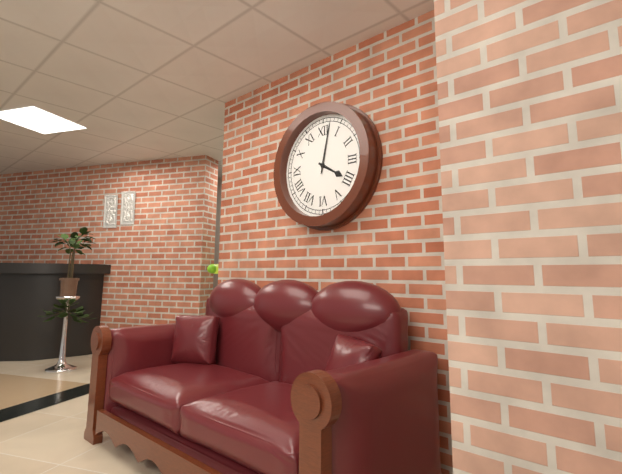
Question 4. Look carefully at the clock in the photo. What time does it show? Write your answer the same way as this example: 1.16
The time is 4.02
